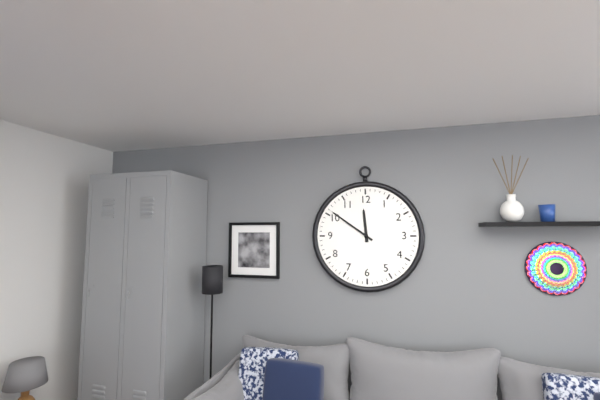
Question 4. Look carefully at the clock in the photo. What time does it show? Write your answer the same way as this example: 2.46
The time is 11.51
